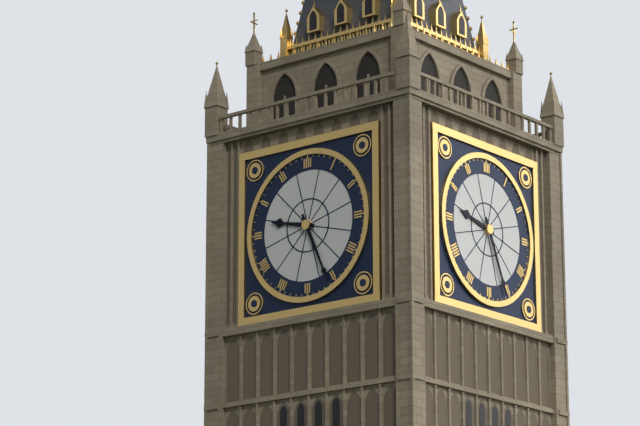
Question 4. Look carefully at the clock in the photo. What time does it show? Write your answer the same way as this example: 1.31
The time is 9.26
